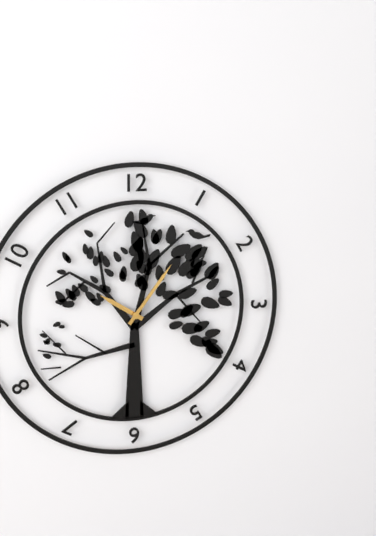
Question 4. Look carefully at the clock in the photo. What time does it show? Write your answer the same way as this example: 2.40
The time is 10.06
